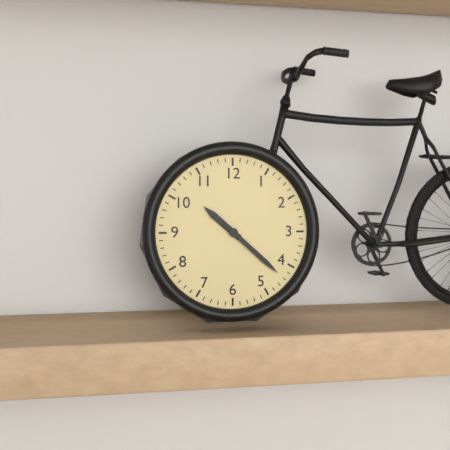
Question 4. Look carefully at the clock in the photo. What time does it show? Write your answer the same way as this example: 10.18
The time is 10.22
